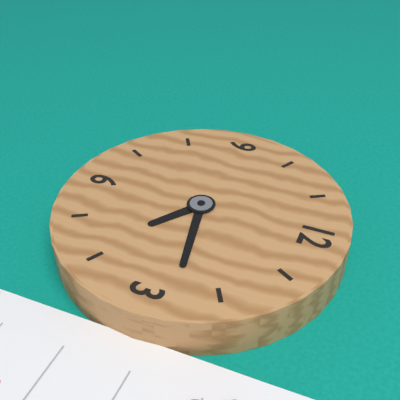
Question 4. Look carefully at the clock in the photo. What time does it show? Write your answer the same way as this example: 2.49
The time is 4.13
